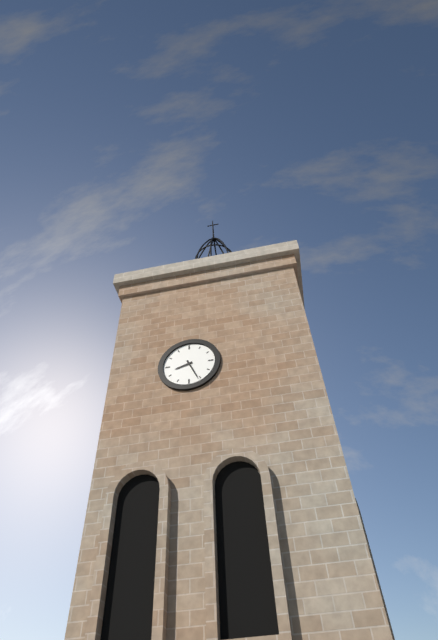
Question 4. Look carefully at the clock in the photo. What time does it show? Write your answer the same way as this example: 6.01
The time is 8.26
